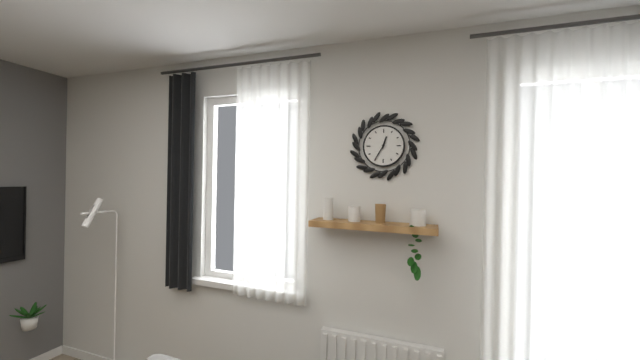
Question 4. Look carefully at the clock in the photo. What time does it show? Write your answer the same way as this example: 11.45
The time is 12.35
